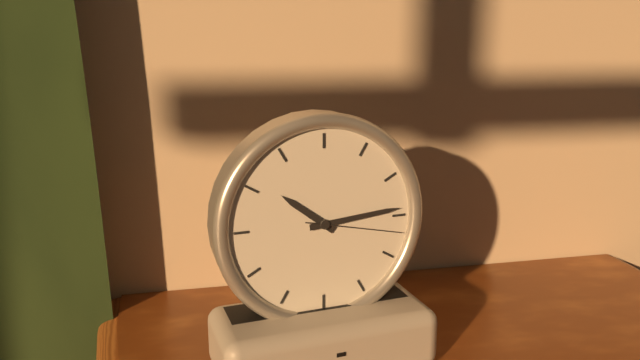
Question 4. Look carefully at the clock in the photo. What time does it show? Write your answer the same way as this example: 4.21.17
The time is 10.14.17
